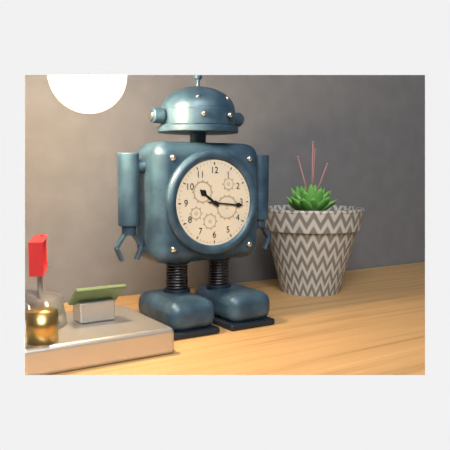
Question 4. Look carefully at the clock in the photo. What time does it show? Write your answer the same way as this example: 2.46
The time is 10.16
